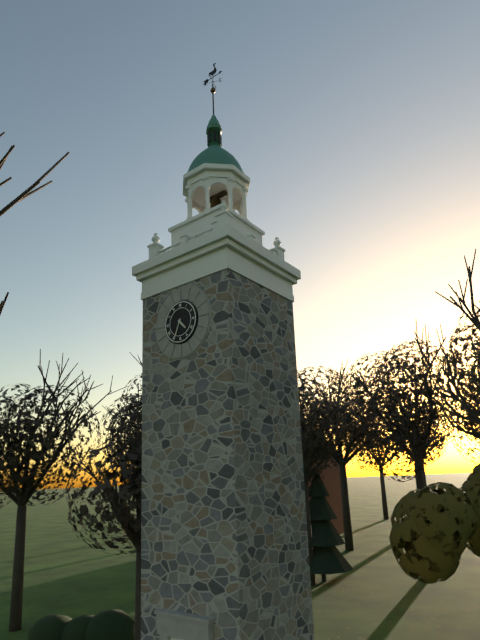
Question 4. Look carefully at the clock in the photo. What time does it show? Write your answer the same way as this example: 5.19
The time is 4.34
